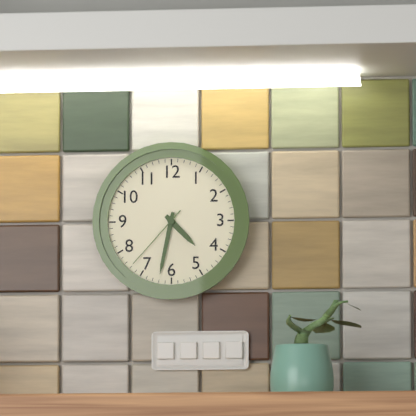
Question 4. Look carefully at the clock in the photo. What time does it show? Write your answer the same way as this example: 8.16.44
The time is 4.32.37
